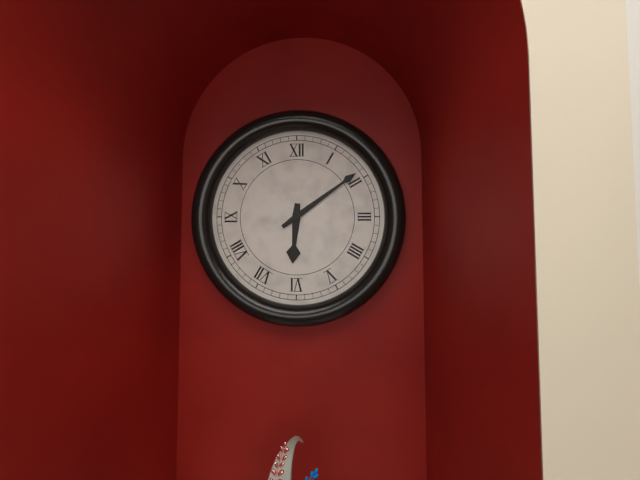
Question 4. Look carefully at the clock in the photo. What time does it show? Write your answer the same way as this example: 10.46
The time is 6.09
